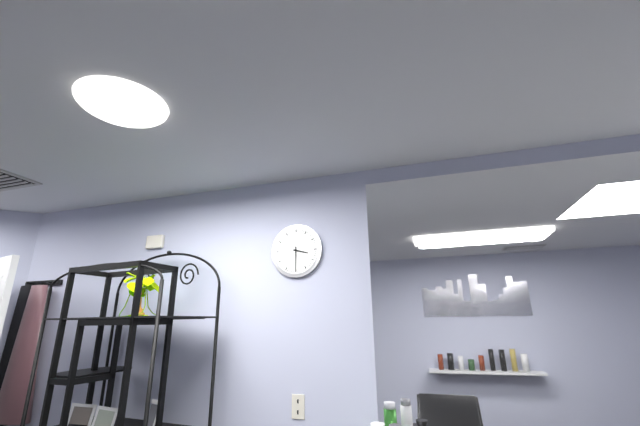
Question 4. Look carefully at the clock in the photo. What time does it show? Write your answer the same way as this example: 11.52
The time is 3.30
